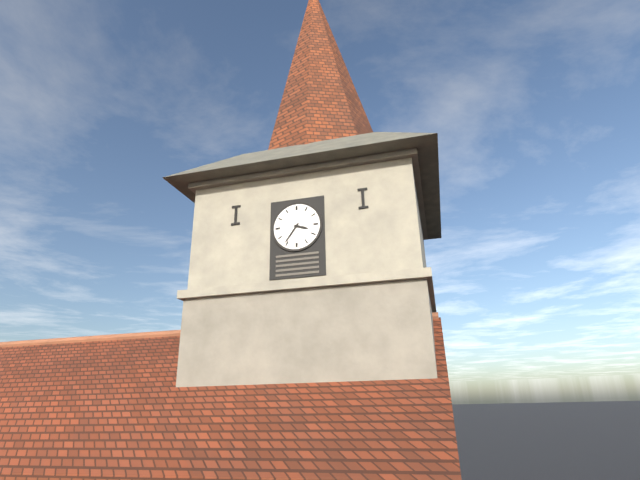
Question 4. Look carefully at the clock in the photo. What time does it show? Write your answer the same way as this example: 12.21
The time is 3.36
